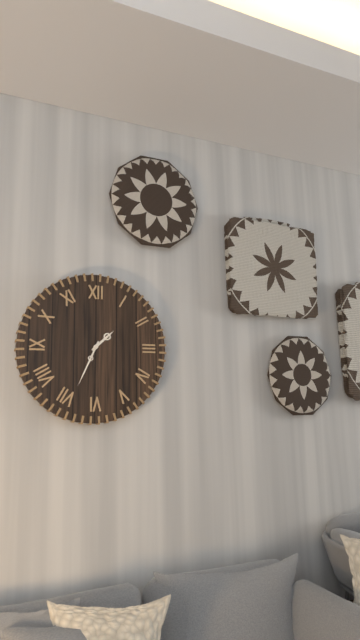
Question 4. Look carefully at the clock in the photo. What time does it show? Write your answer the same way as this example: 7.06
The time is 1.34
